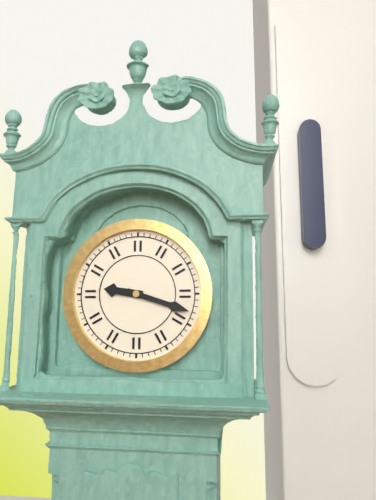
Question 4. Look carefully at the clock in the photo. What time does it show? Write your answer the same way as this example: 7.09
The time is 9.18
